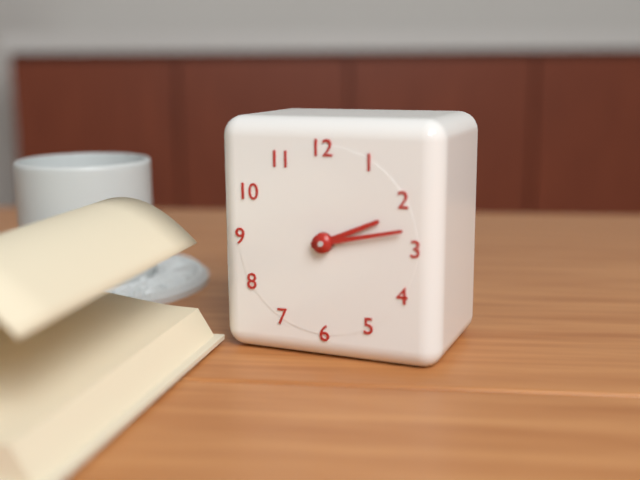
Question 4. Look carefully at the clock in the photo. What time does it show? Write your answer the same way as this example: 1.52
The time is 2.13
